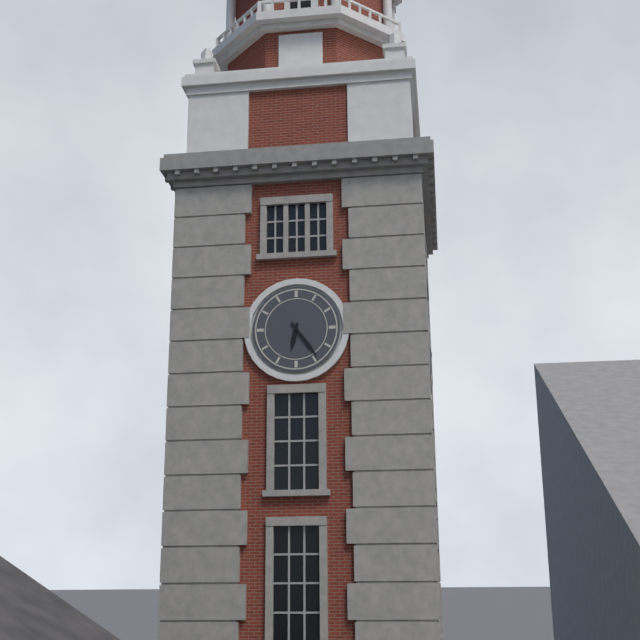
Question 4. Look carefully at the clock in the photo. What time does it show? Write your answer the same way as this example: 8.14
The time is 6.24
